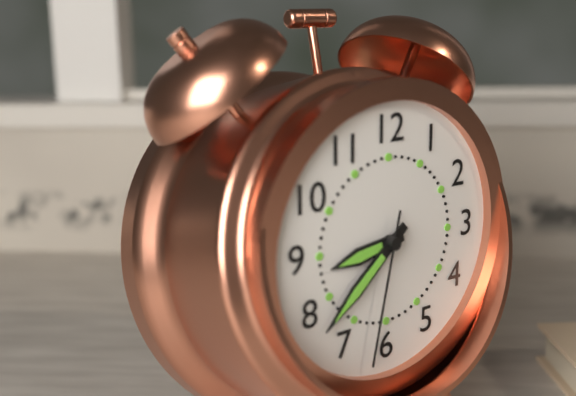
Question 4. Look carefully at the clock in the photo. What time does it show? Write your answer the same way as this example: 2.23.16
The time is 8.38.32
